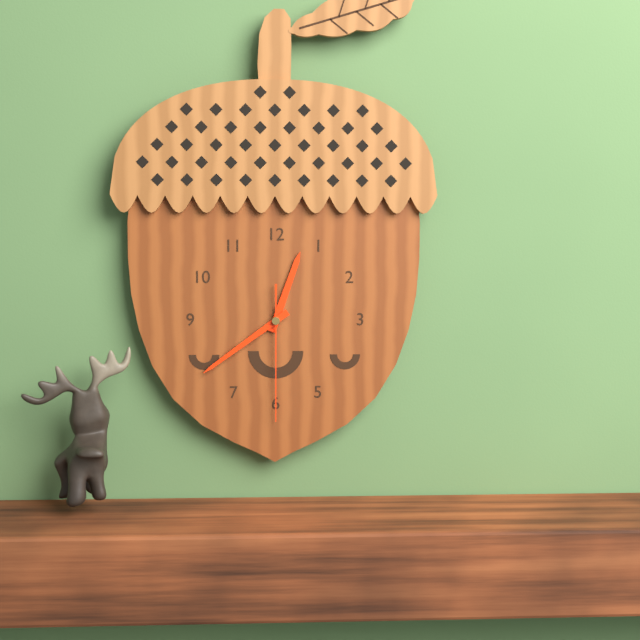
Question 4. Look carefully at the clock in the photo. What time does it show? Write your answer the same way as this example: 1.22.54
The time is 12.39.30
